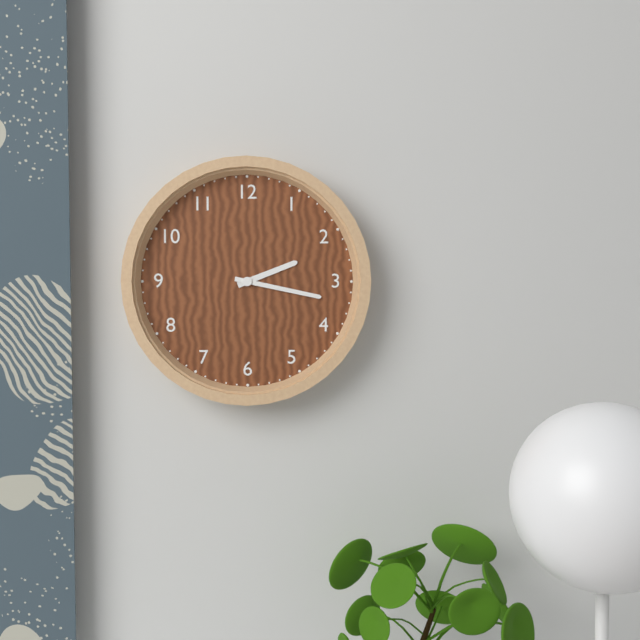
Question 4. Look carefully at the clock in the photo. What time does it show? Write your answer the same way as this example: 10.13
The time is 2.17
